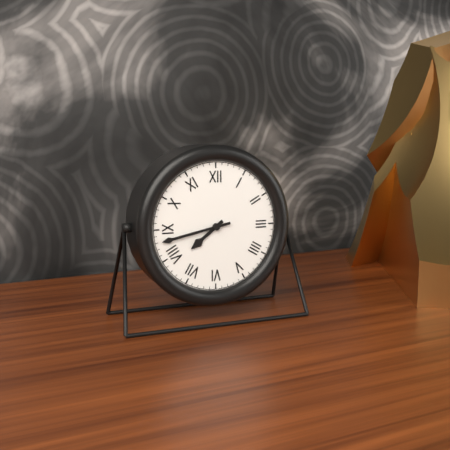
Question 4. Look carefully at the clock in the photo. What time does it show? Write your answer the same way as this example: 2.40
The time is 7.43
